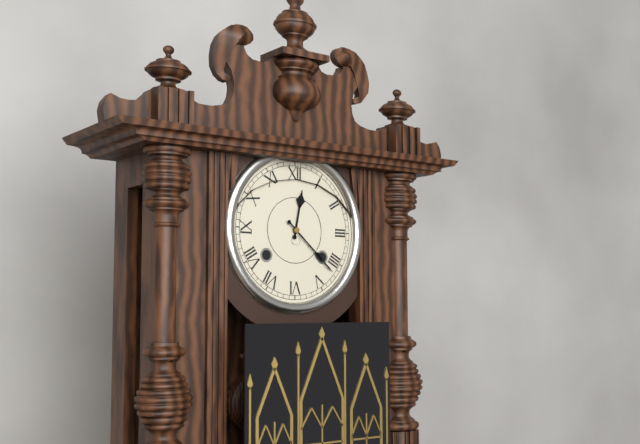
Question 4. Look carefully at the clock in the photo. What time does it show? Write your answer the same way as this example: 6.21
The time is 12.22
